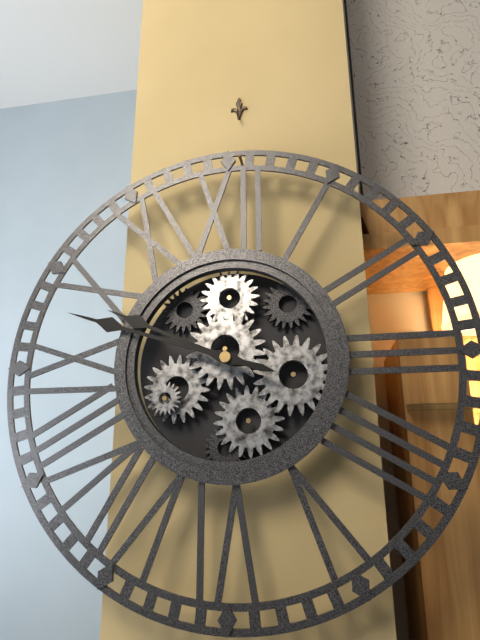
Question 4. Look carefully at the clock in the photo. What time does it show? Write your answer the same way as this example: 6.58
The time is 9.48
